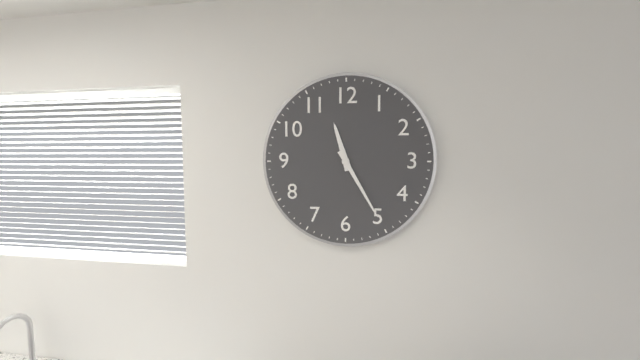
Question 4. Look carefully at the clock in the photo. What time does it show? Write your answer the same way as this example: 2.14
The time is 11.25
